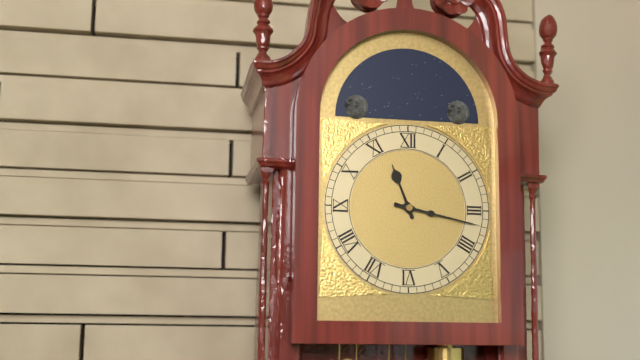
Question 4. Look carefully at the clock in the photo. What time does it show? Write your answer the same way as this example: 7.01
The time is 11.17
